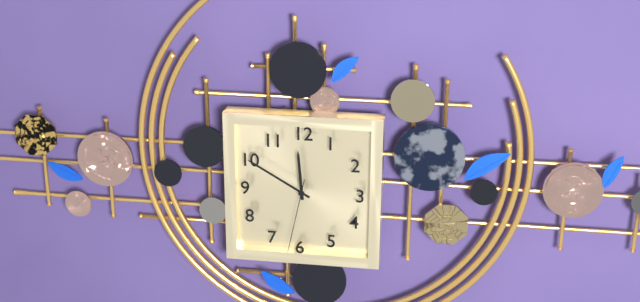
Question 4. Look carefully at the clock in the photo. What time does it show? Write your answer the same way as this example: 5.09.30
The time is 11.50.32
